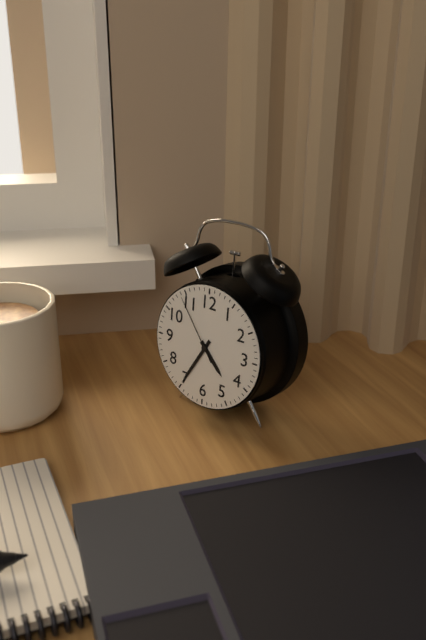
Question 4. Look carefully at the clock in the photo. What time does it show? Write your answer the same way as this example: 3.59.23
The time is 4.35.54
